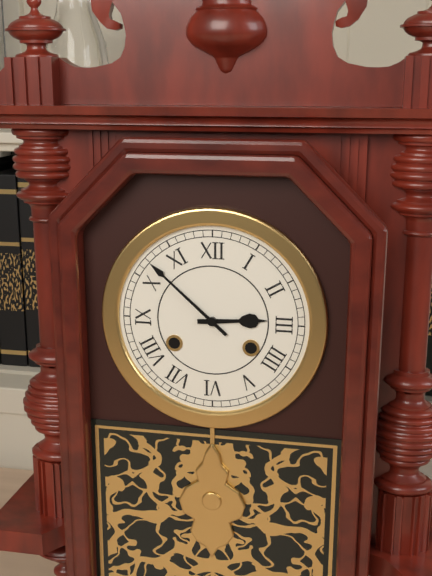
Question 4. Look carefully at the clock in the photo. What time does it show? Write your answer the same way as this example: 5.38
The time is 2.52
